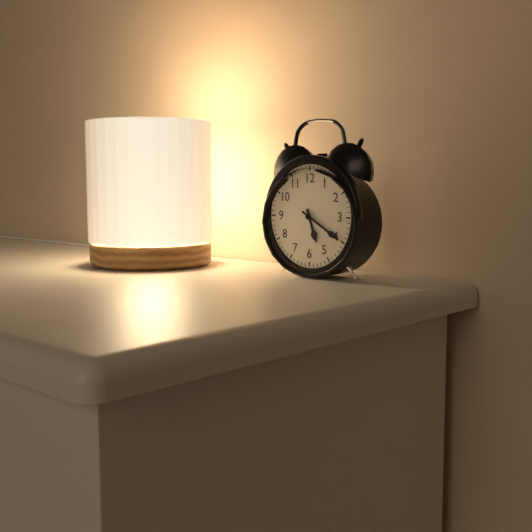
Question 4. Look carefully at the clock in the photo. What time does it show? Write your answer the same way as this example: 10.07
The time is 5.20
